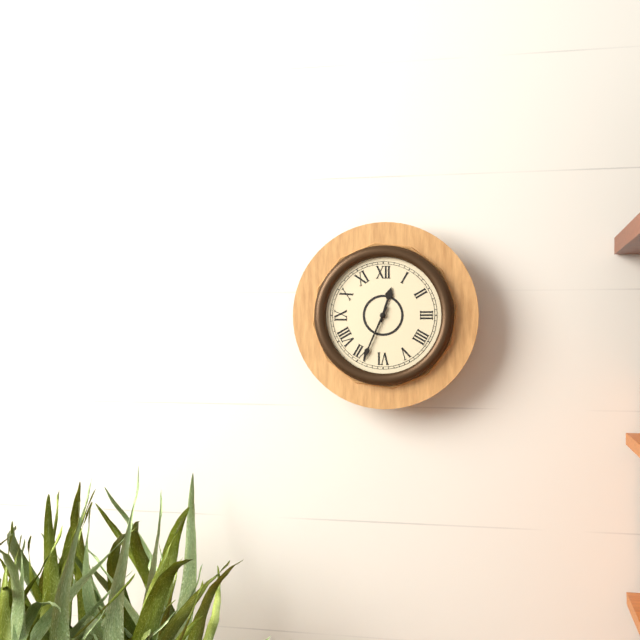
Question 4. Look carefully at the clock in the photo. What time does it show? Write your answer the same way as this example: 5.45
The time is 12.34
